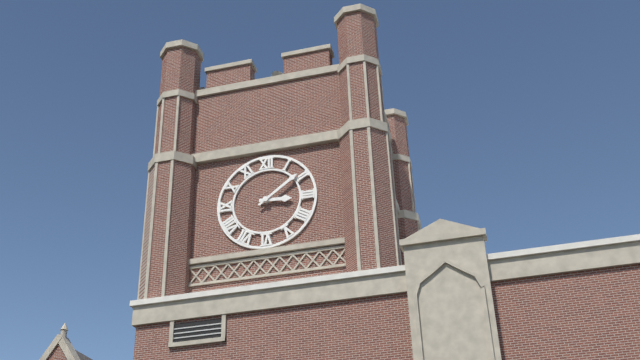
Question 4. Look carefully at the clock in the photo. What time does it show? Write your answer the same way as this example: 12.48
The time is 3.09
